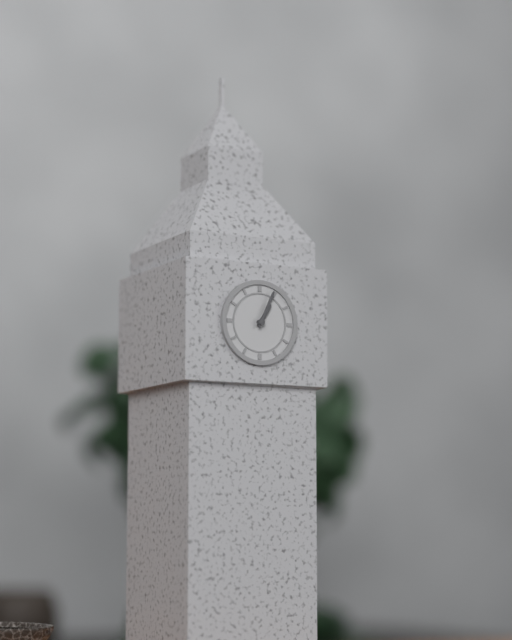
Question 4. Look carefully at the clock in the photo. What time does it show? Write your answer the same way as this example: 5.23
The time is 1.04
